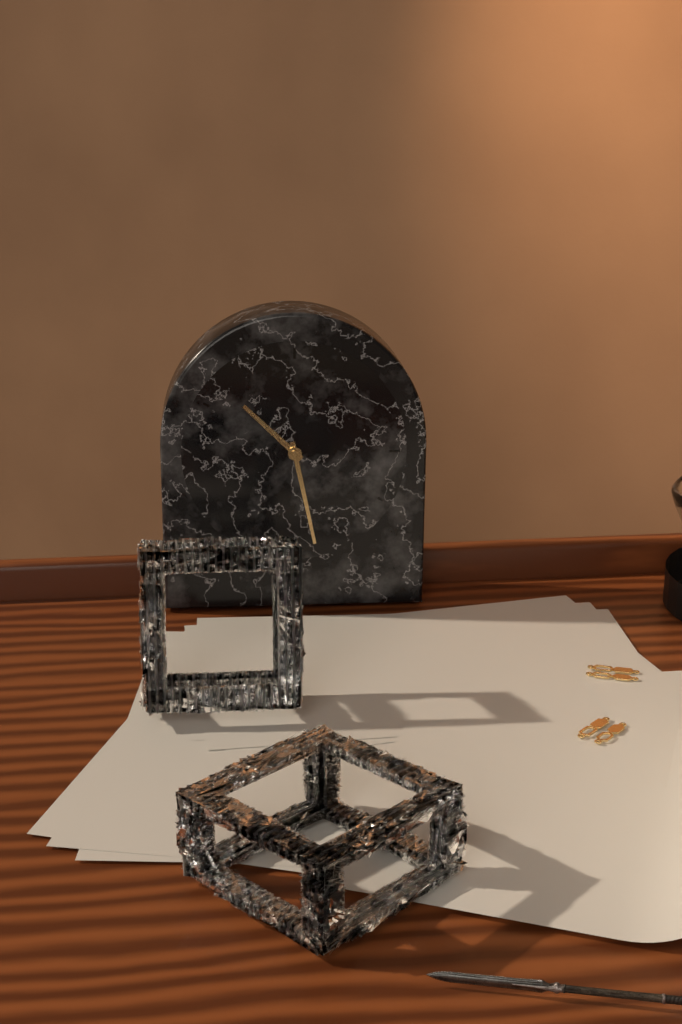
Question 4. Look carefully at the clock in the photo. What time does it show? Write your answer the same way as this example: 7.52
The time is 10.28
